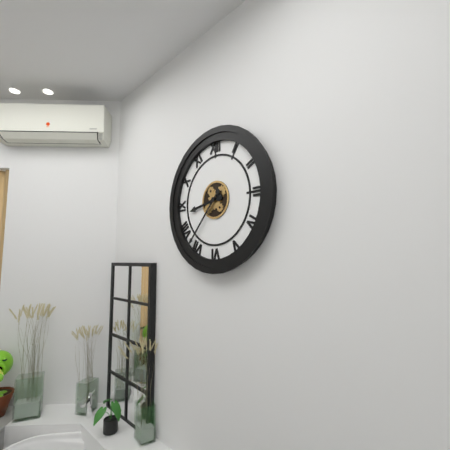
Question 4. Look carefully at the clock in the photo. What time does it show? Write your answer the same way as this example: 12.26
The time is 8.37
